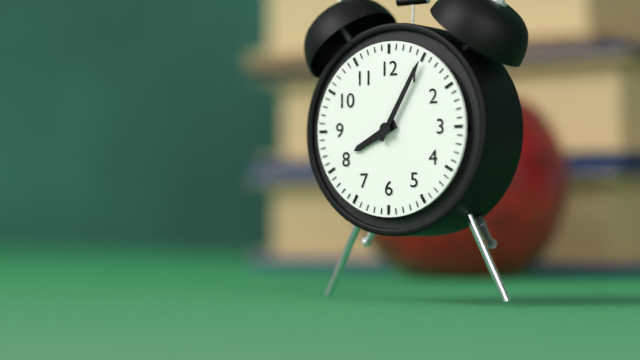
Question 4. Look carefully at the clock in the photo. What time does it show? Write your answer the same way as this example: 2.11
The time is 8.05
